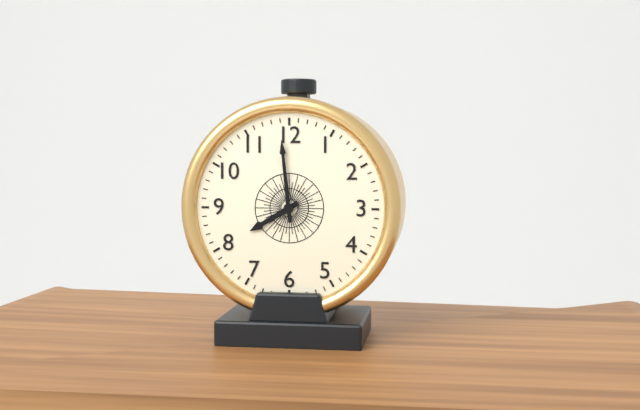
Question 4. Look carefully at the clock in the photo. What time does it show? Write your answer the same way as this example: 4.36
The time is 7.59
